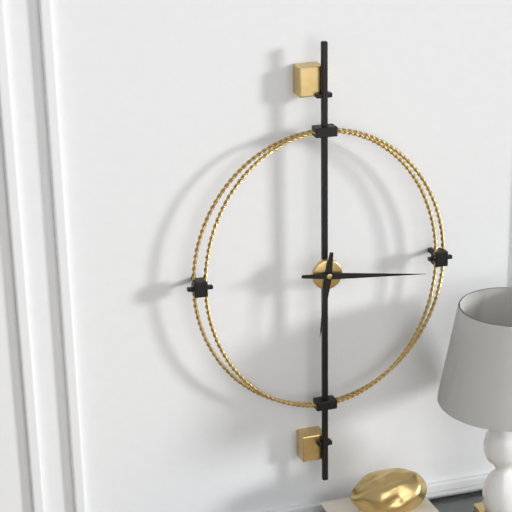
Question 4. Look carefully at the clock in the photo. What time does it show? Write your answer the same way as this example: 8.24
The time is 6.16
